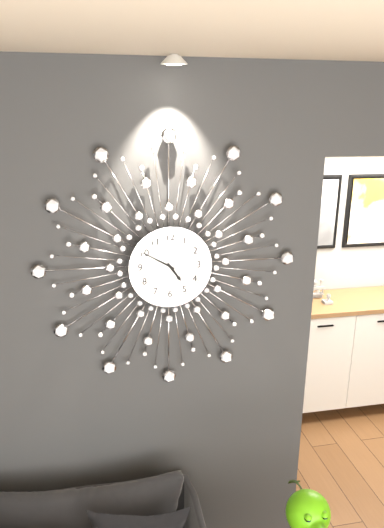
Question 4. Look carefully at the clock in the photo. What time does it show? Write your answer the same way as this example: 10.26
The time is 4.50
